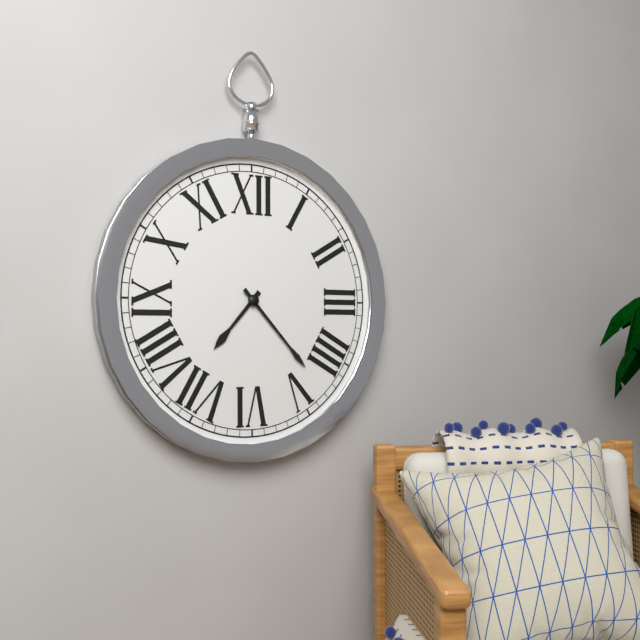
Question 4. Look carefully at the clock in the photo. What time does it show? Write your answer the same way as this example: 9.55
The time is 7.23
